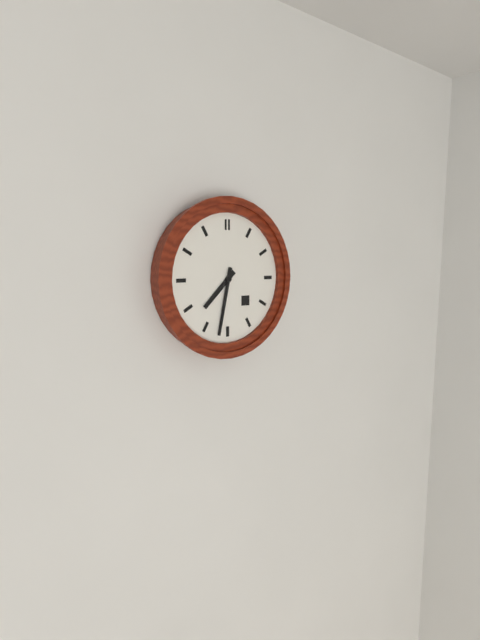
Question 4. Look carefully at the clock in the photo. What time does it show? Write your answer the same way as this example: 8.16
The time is 7.32
